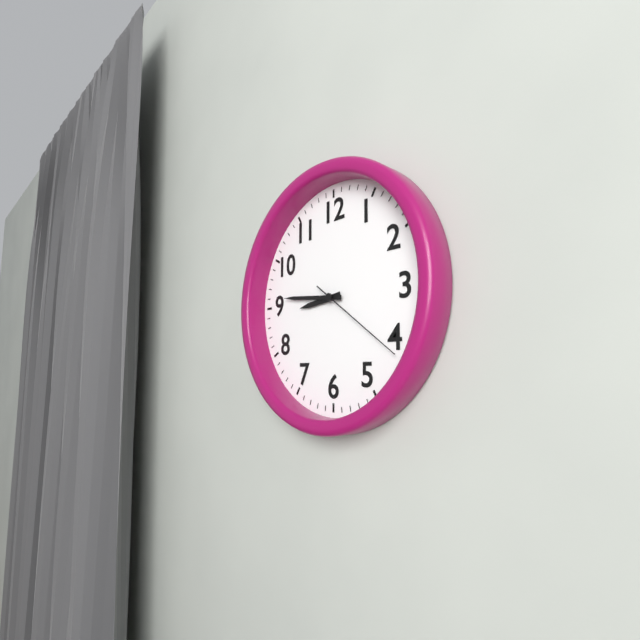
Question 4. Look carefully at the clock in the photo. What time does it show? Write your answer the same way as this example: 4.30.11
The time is 8.46.21
